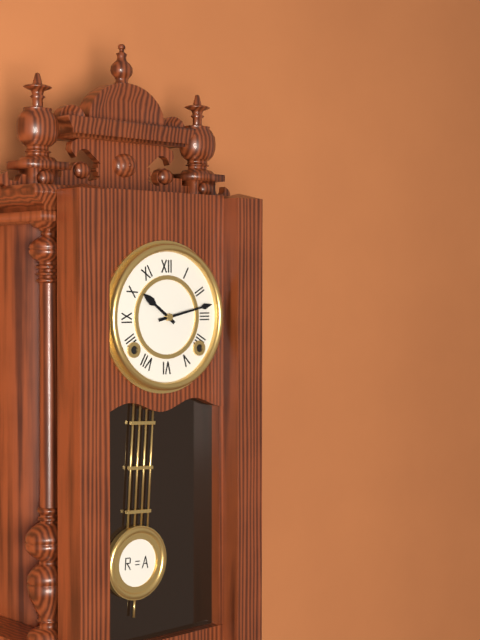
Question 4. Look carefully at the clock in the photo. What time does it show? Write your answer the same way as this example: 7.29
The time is 10.13
